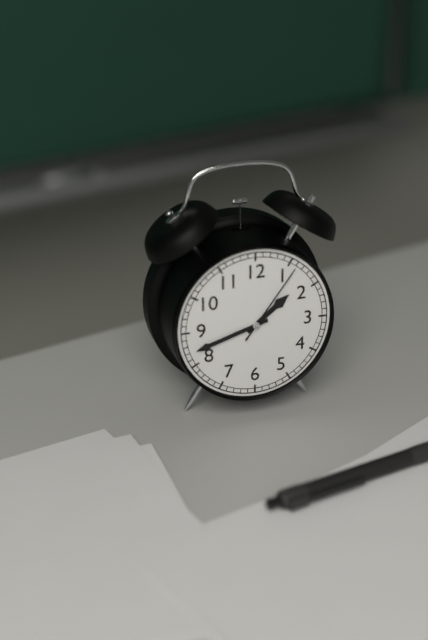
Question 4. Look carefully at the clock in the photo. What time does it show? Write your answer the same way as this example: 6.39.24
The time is 1.42.06
